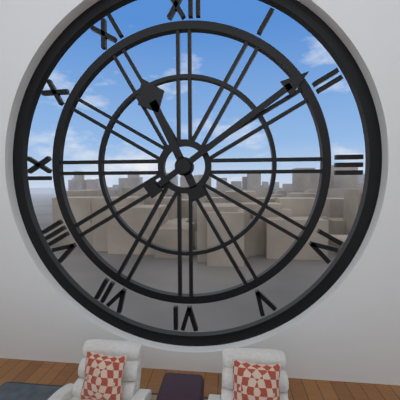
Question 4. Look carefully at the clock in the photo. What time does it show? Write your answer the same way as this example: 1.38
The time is 11.09
